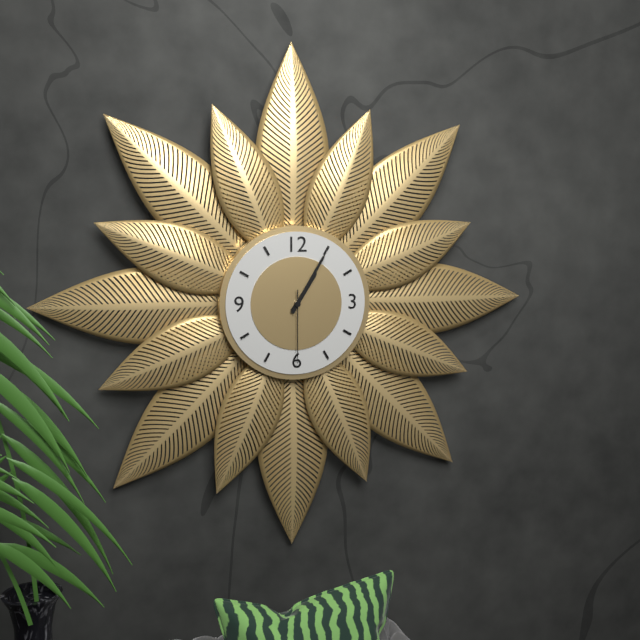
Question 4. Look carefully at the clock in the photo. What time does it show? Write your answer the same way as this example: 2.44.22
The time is 1.05.30
